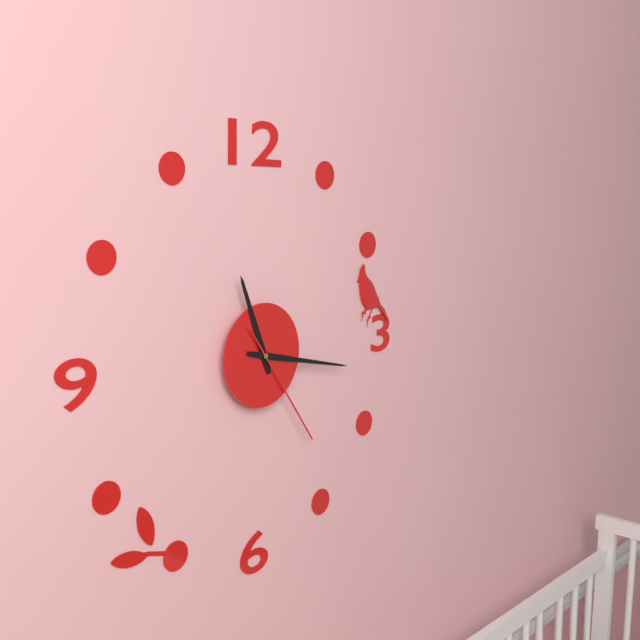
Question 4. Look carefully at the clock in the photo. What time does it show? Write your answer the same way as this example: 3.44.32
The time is 11.17.24
